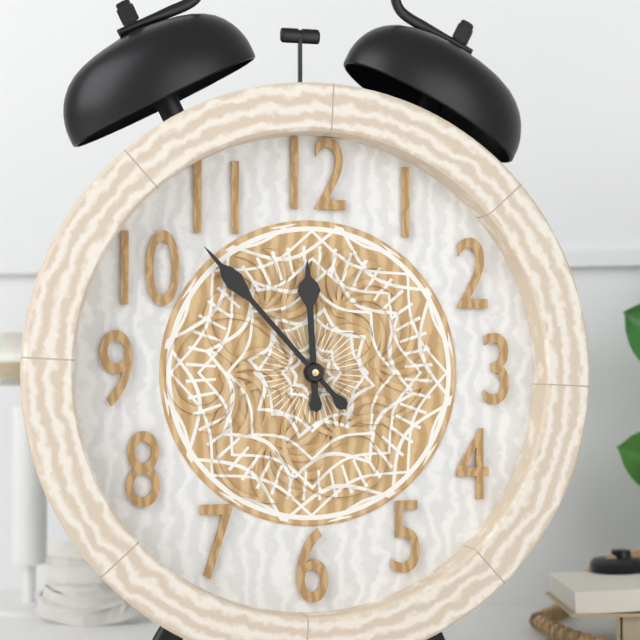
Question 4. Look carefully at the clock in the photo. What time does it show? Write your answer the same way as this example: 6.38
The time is 11.53
